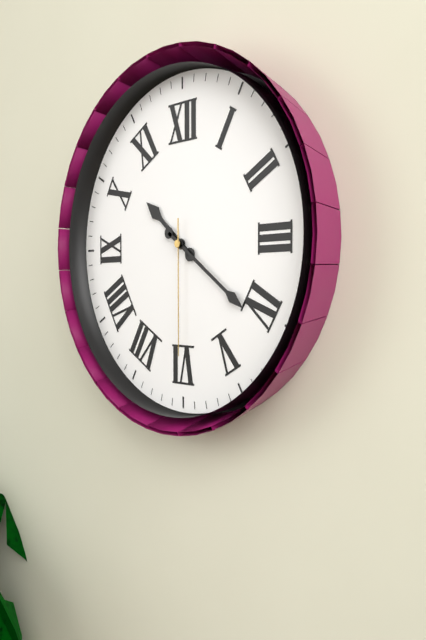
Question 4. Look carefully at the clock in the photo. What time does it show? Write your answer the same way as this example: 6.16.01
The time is 10.21.30
